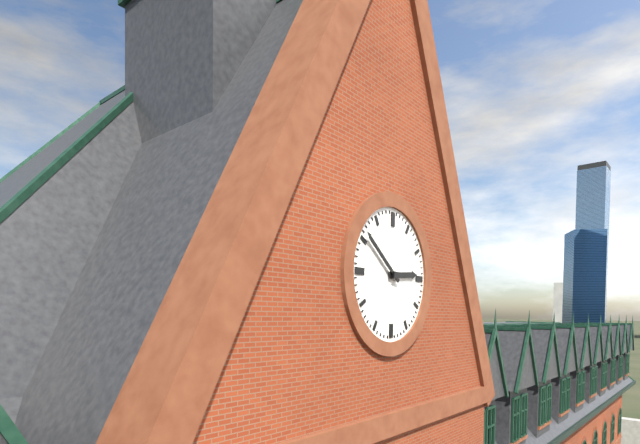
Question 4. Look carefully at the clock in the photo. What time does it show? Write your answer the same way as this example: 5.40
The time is 2.51
